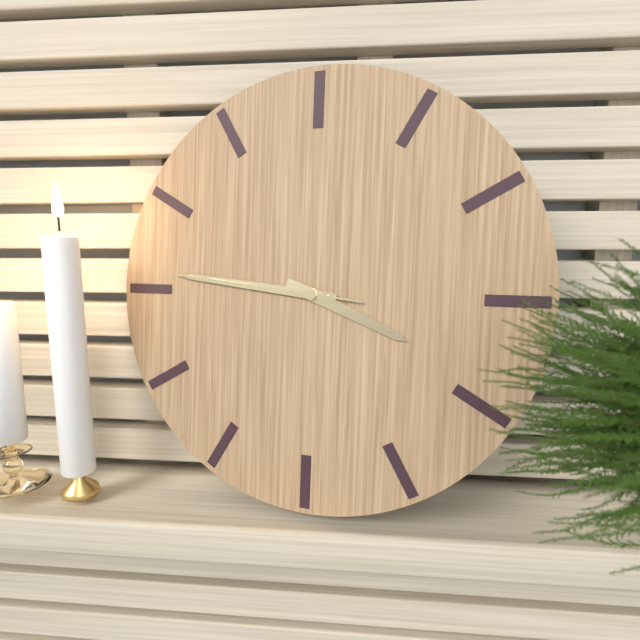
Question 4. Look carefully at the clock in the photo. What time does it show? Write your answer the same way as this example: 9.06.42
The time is 3.46.46
